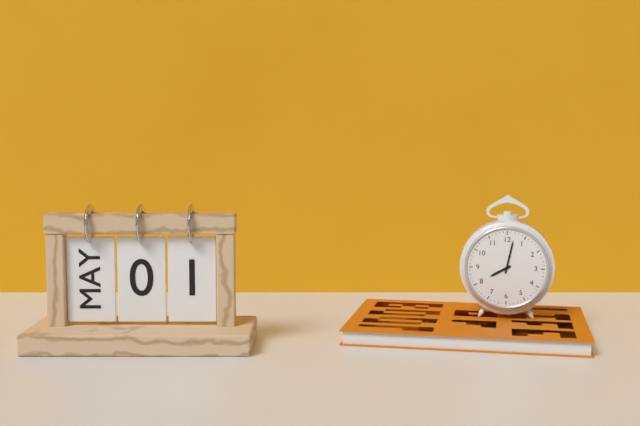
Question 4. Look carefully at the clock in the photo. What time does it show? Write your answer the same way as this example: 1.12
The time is 8.02
